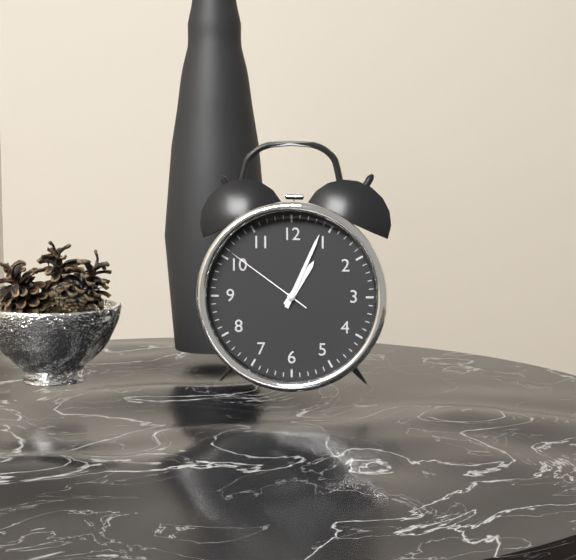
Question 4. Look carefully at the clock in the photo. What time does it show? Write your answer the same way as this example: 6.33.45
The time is 1.04.51
